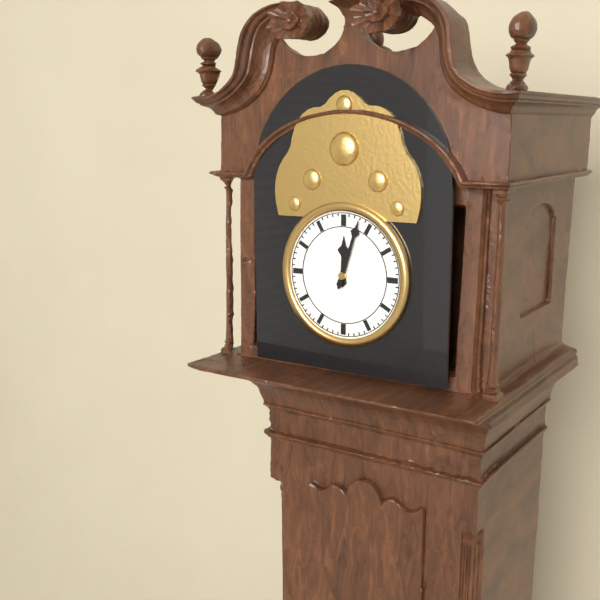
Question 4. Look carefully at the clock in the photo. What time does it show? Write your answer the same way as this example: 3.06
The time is 12.03
